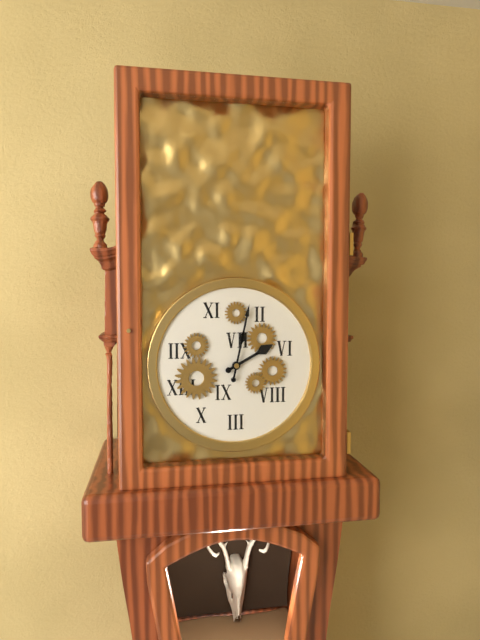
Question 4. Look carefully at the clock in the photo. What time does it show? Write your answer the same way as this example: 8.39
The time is 2.02
